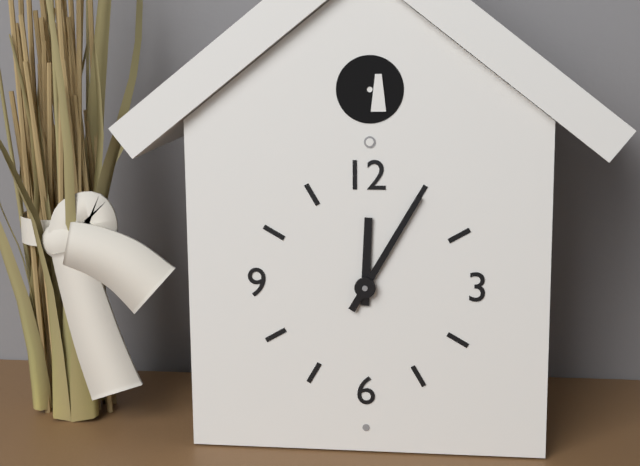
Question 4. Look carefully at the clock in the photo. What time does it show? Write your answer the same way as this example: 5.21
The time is 12.05
